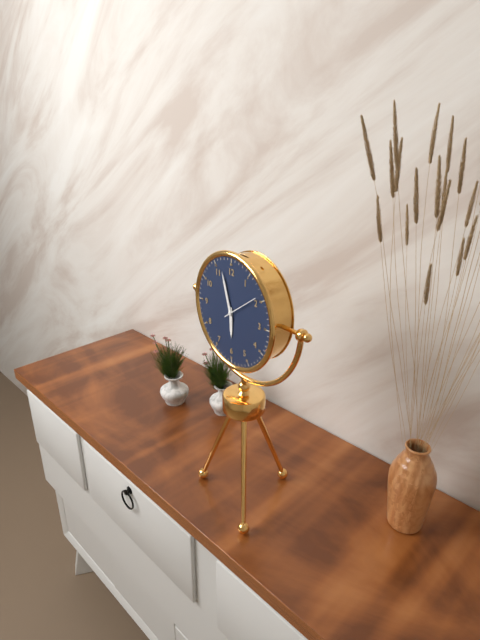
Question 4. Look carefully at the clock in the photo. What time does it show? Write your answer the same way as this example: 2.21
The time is 5.57
